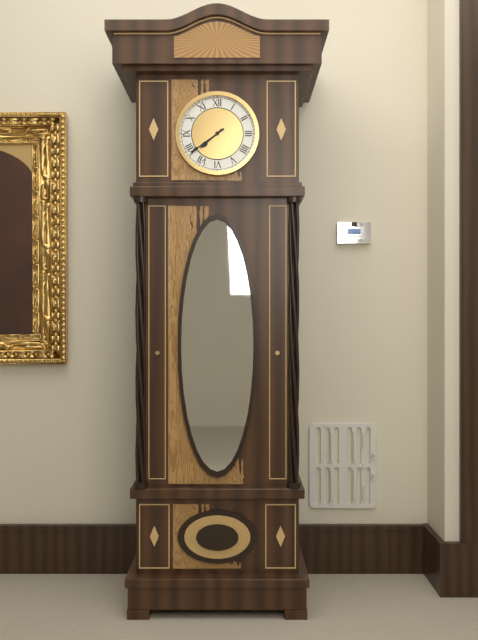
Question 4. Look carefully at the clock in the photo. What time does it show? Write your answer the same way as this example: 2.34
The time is 7.39
